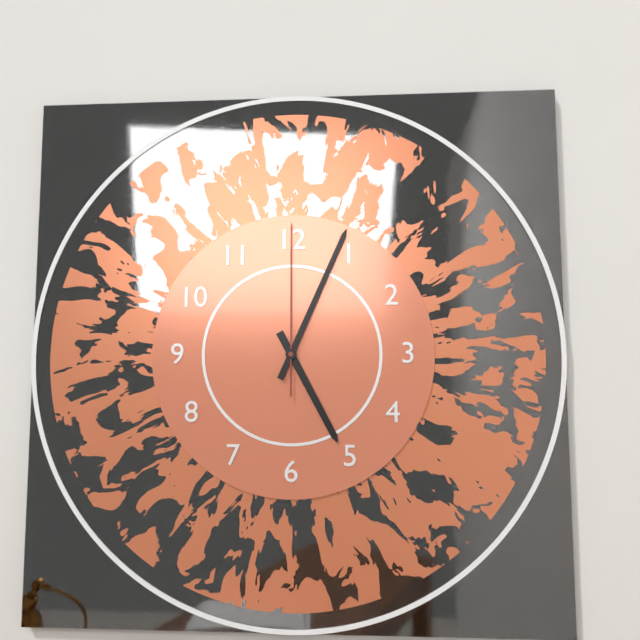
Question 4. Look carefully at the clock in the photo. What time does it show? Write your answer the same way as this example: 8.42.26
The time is 5.04.00
